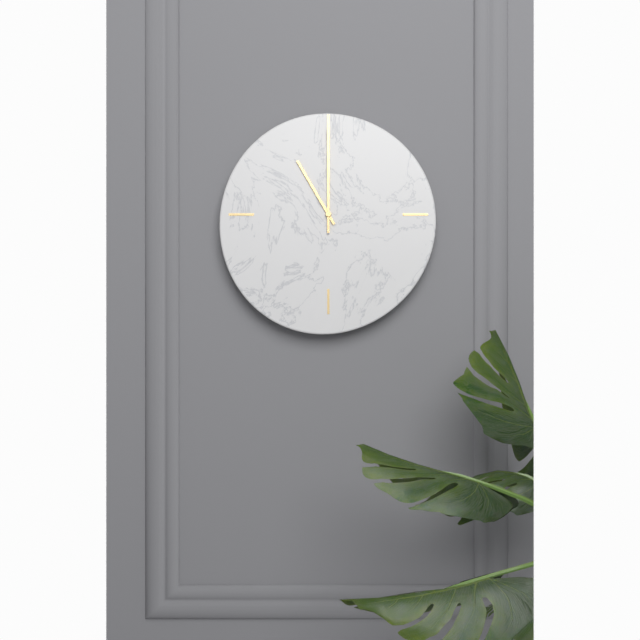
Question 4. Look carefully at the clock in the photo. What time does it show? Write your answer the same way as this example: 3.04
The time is 11.00
